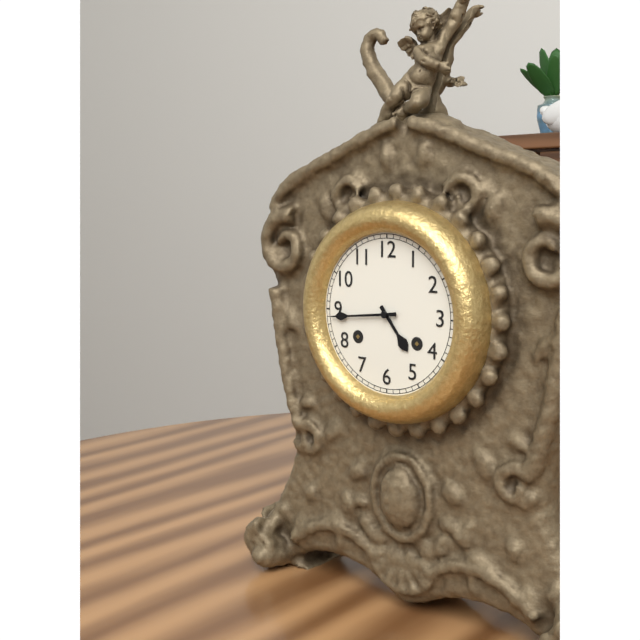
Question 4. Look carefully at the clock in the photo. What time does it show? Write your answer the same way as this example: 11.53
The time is 4.44
